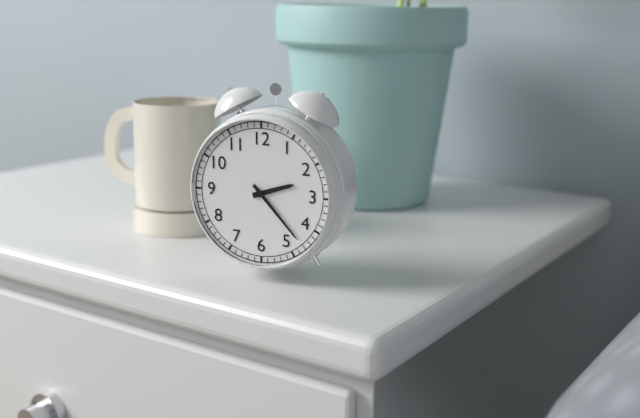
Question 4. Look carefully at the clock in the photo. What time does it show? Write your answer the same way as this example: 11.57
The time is 2.23
